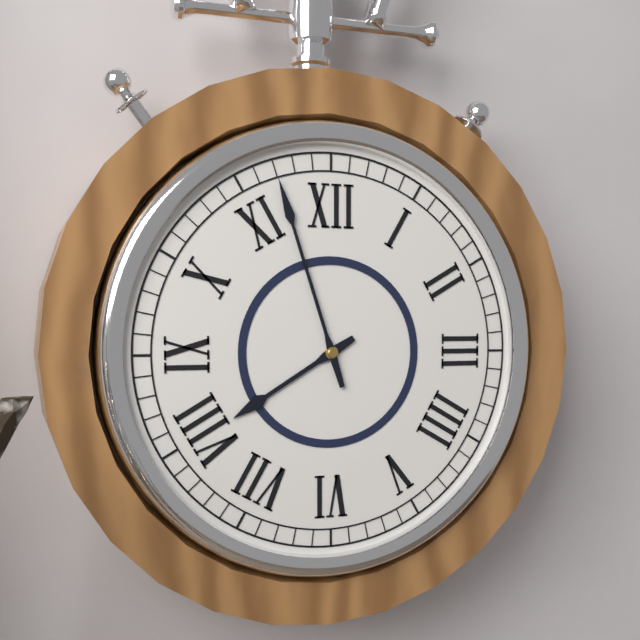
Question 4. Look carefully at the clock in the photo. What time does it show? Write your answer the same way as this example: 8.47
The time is 7.57
